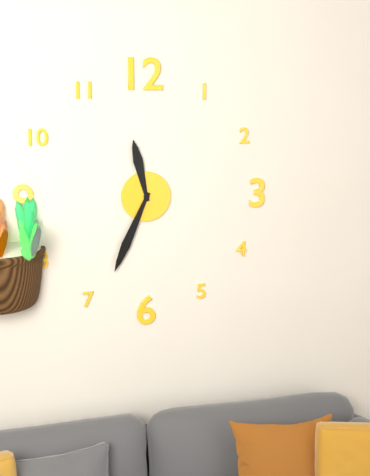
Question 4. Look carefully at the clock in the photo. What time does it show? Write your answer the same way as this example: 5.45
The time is 11.34
